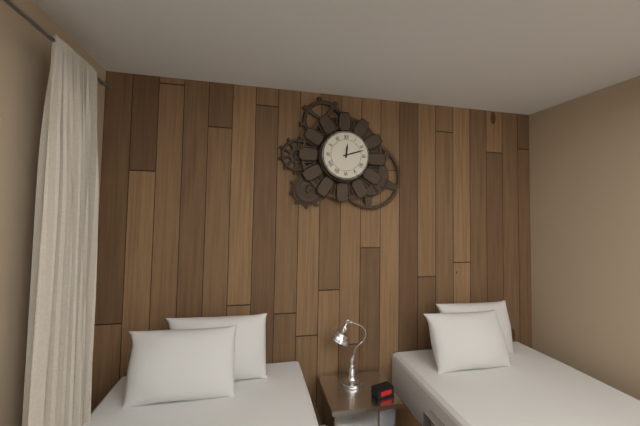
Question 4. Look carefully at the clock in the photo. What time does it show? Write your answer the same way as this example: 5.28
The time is 12.12
